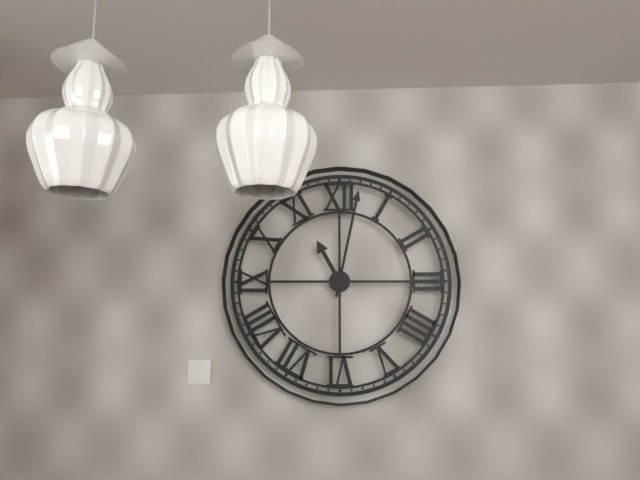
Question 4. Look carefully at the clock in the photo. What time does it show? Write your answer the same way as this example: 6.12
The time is 11.02
